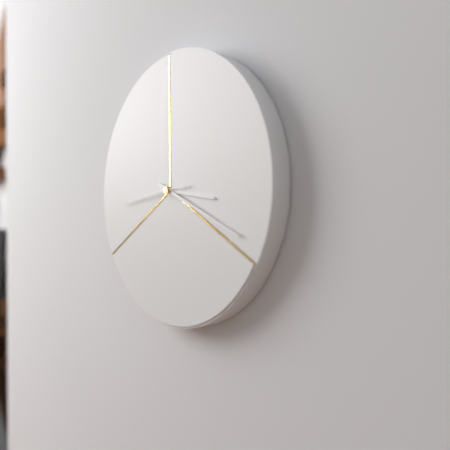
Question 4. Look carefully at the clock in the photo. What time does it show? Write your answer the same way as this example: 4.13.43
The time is 3.19.44
